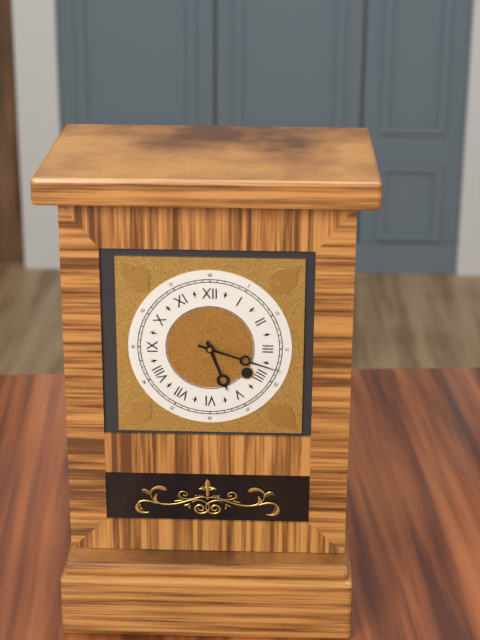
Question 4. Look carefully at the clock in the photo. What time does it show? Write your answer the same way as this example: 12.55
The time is 5.18
